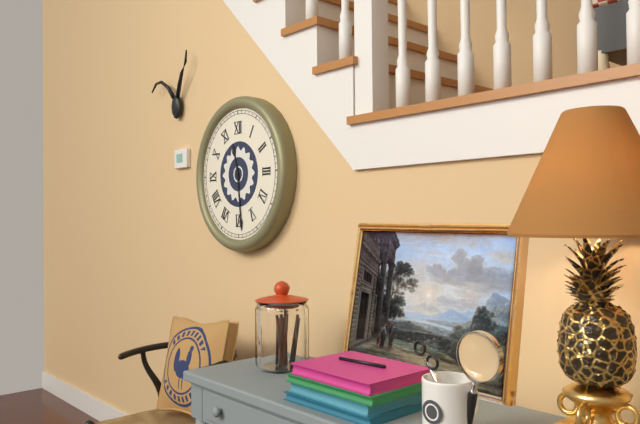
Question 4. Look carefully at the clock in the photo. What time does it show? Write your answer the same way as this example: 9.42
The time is 11.29
